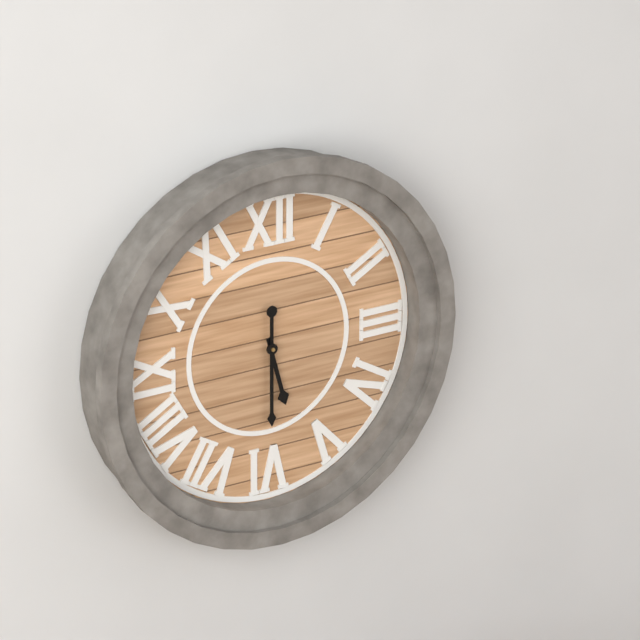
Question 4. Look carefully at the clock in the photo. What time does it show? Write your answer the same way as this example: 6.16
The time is 5.30
